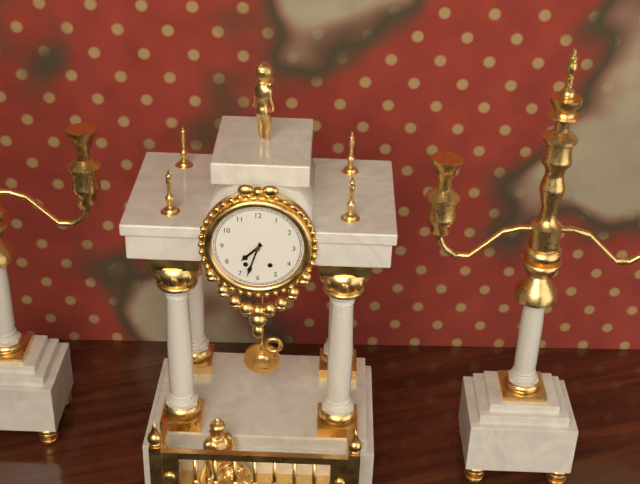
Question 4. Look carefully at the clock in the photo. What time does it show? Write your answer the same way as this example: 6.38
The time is 7.33
